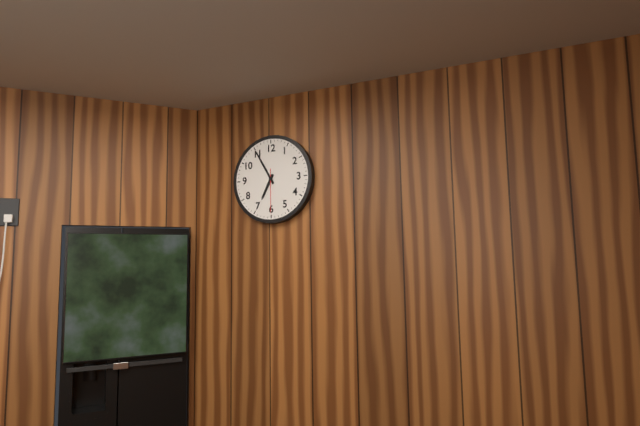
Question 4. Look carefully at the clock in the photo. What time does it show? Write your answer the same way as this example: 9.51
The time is 6.55
